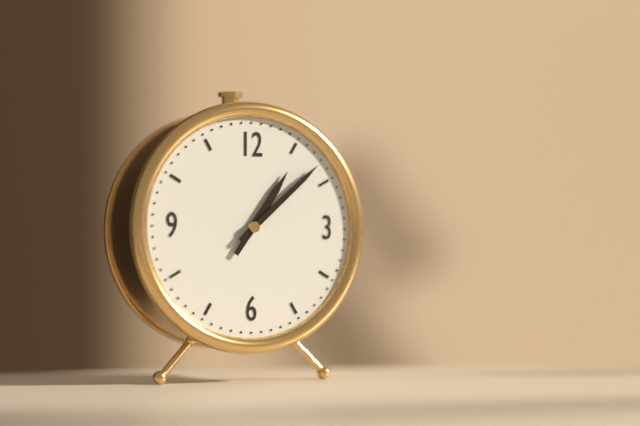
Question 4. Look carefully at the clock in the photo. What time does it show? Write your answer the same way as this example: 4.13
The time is 1.08
